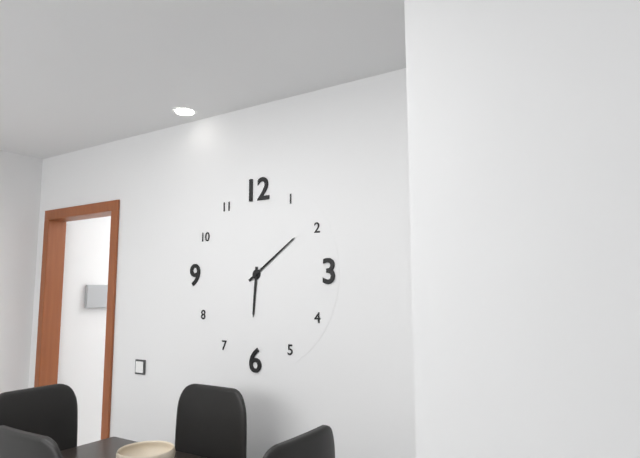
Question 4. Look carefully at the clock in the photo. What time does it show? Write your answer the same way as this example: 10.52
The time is 6.09
